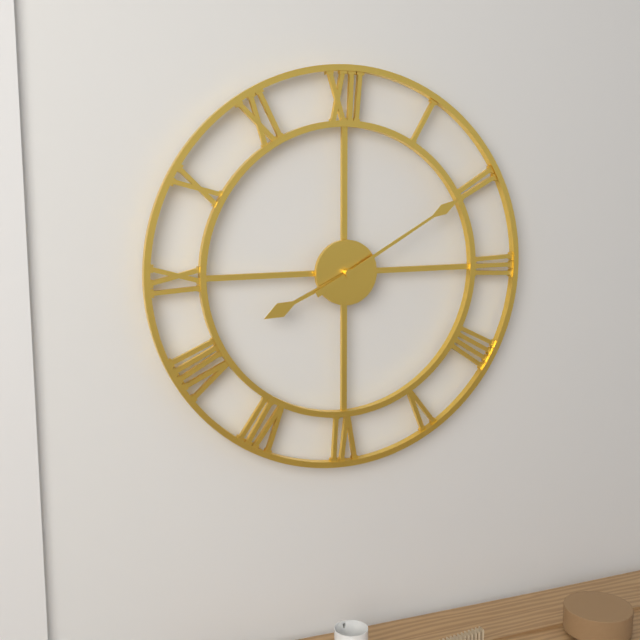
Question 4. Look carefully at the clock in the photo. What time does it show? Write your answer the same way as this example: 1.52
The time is 8.10
